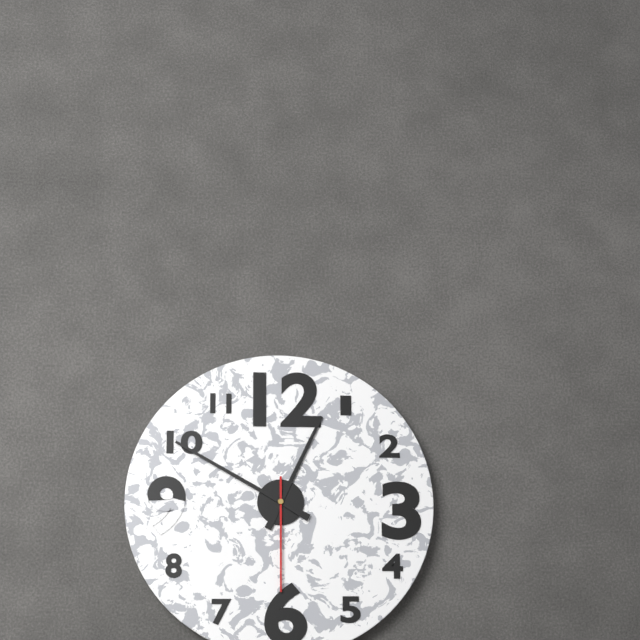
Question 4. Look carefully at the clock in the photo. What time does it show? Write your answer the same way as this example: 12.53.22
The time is 12.50.30
